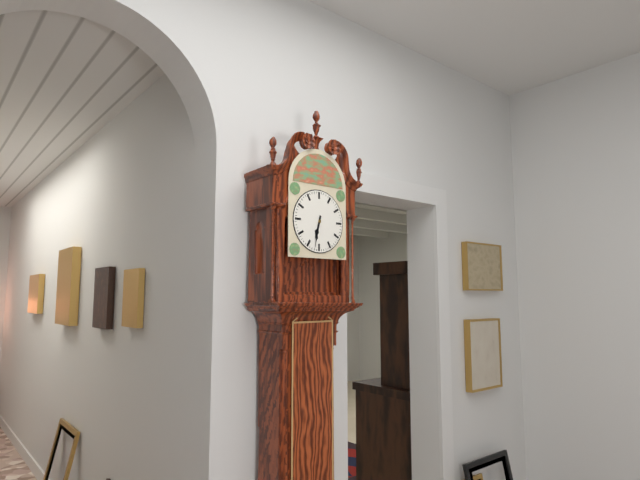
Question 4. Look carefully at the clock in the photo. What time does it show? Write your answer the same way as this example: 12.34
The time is 6.32
